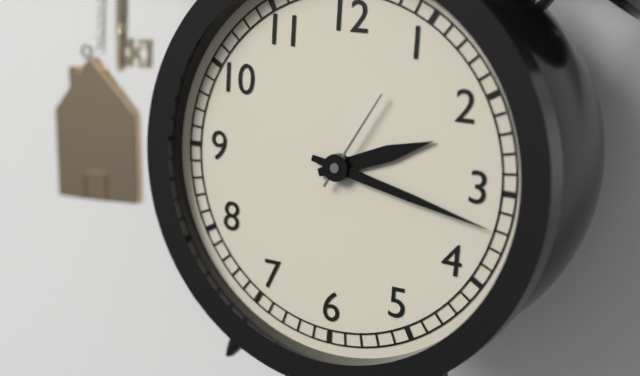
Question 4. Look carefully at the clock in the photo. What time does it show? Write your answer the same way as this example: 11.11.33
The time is 2.17.05
